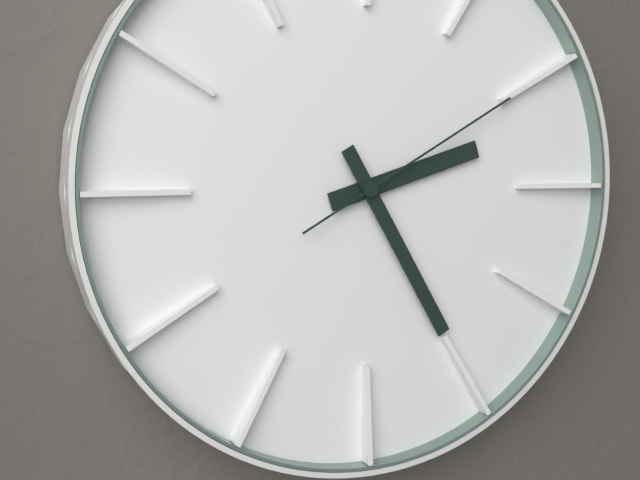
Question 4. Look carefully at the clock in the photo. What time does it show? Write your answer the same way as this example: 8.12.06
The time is 2.25.10
